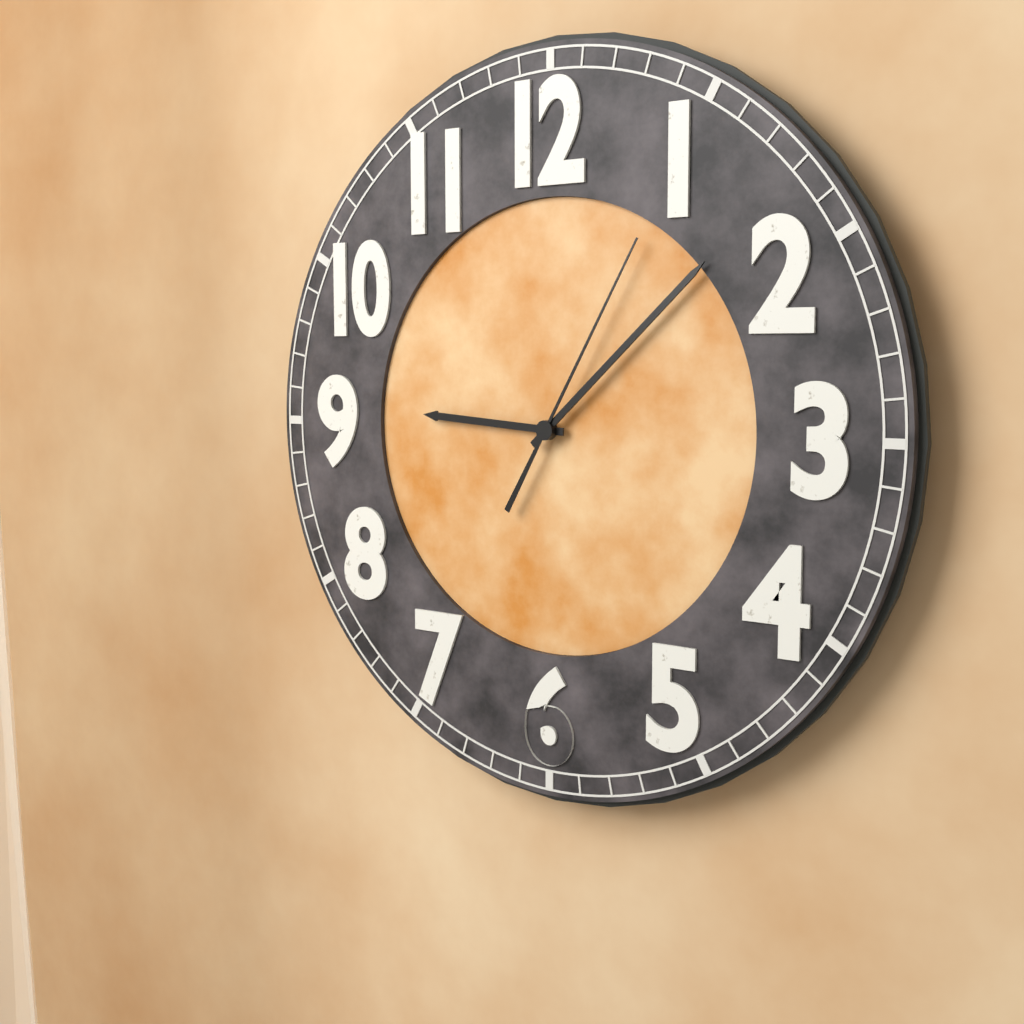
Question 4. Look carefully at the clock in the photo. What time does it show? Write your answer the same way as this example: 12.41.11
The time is 9.08.05
